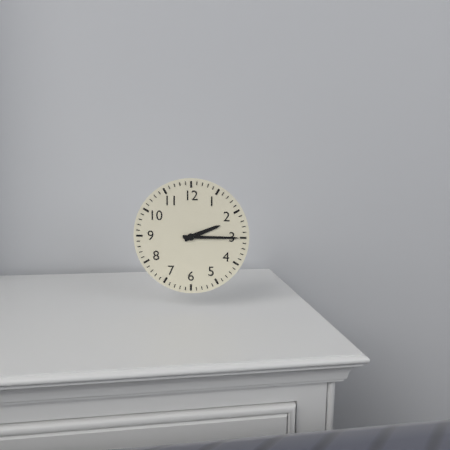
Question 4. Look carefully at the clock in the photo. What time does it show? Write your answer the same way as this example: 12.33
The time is 2.15
